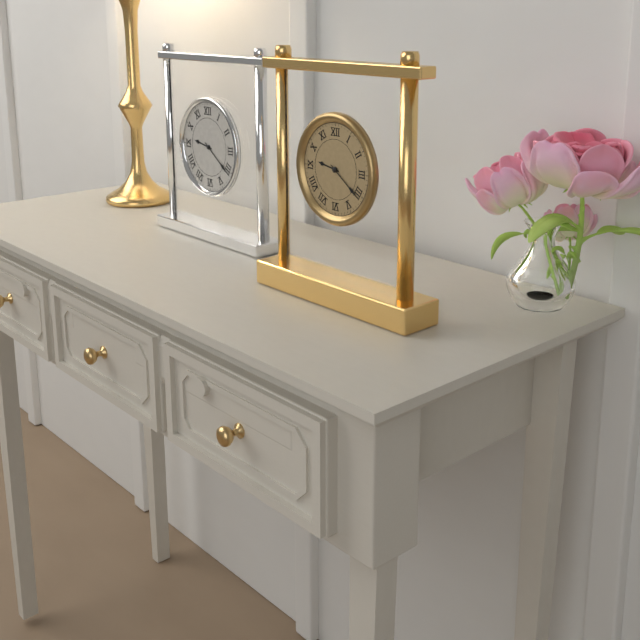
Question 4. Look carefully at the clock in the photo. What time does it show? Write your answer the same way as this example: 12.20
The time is 9.21
